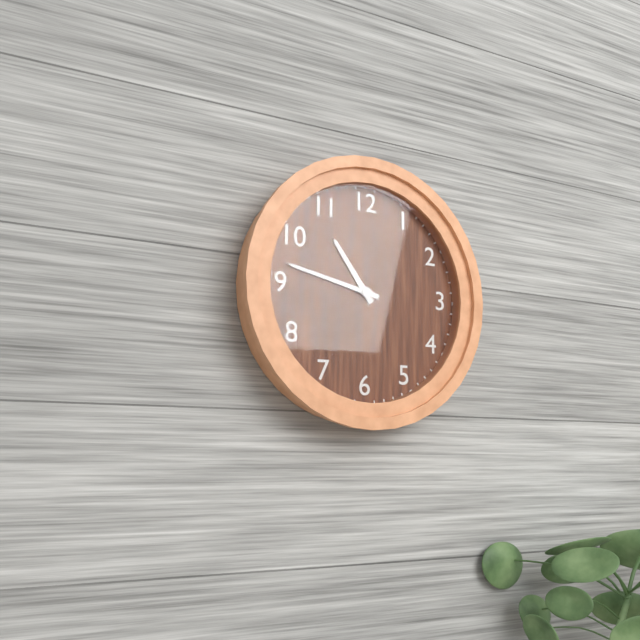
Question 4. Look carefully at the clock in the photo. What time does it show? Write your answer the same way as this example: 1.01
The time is 10.47
